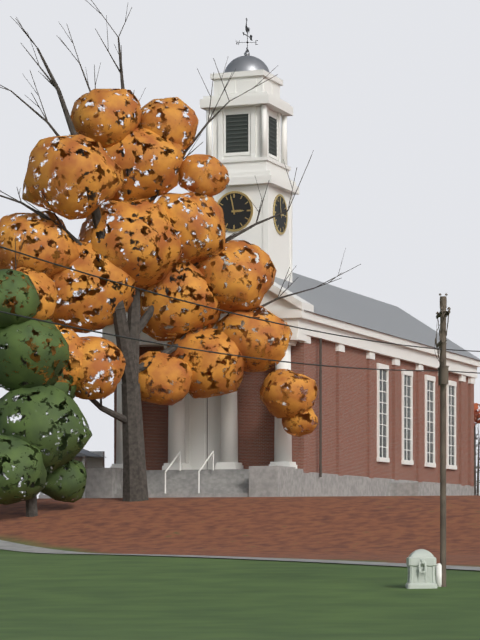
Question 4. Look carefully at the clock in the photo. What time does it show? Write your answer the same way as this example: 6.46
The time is 2.58
